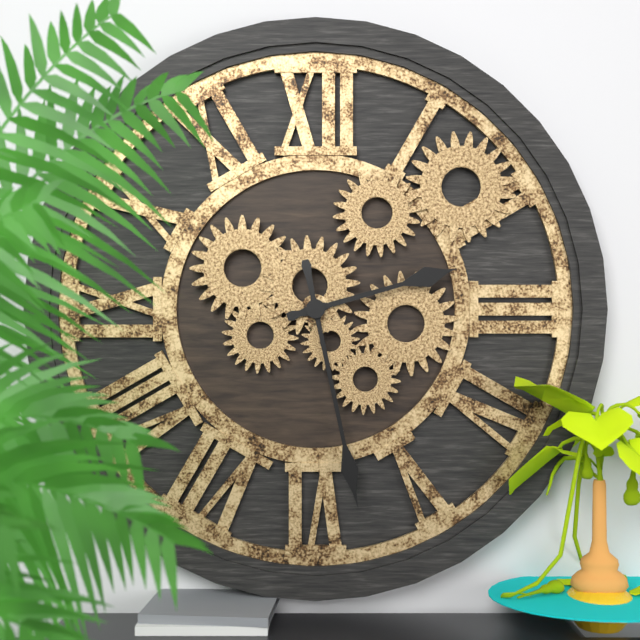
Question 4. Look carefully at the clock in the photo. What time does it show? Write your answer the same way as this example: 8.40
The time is 2.28
